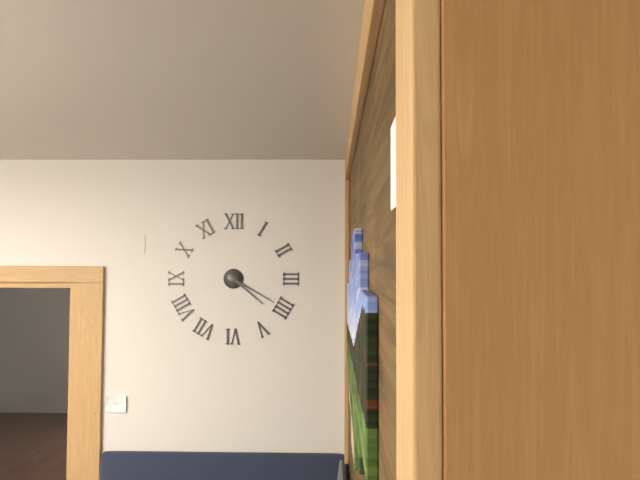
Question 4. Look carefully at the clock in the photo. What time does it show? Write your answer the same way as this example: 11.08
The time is 4.20
